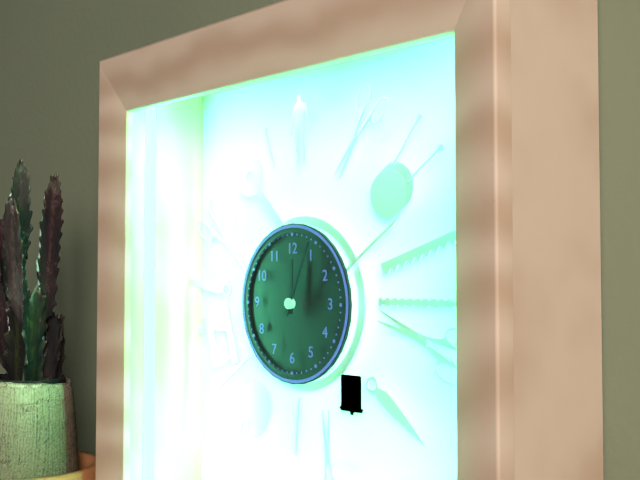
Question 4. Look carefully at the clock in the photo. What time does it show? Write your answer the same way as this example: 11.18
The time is 12.04
